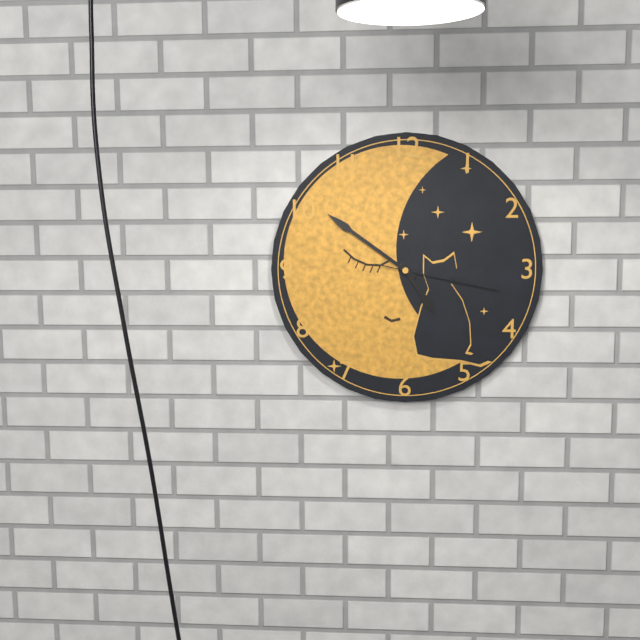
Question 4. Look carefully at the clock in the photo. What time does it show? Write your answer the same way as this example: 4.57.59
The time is 4.51.17
